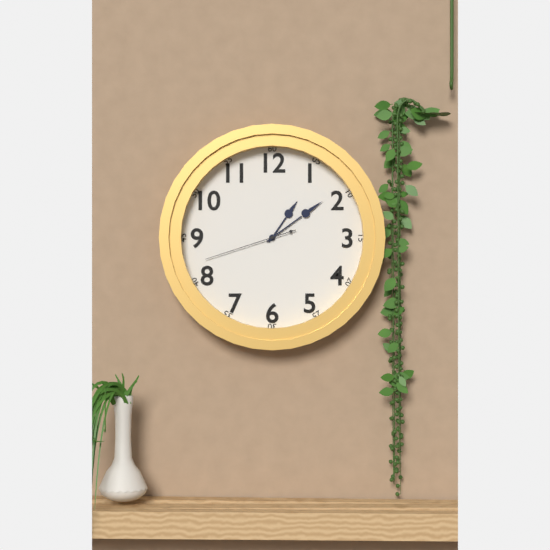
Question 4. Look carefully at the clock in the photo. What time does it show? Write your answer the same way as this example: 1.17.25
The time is 1.09.42
